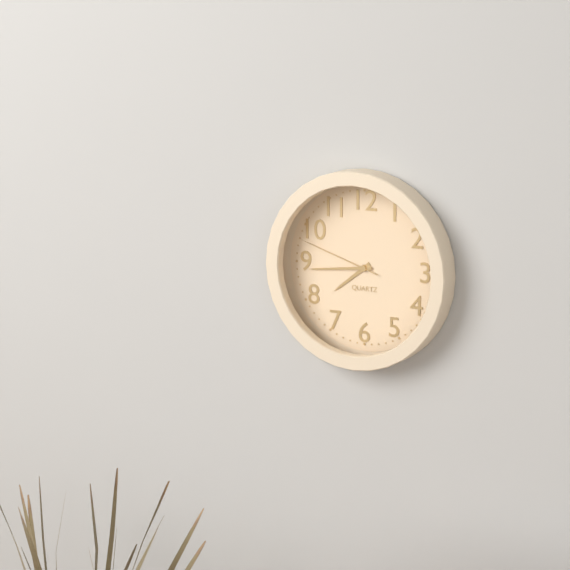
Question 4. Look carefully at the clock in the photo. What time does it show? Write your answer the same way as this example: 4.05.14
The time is 7.44.48
